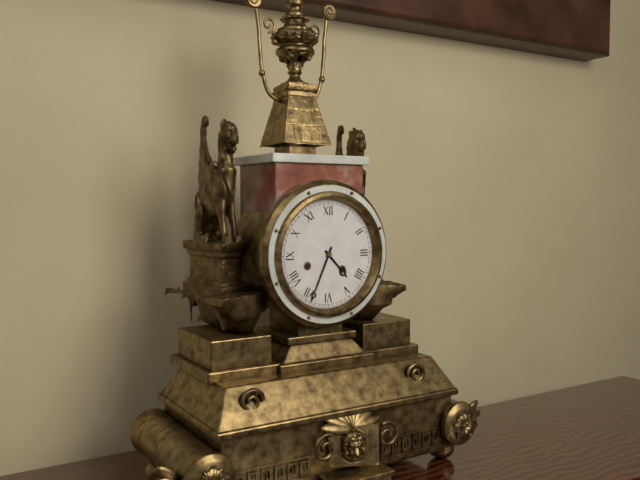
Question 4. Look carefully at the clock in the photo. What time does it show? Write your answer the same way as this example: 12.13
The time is 4.34
